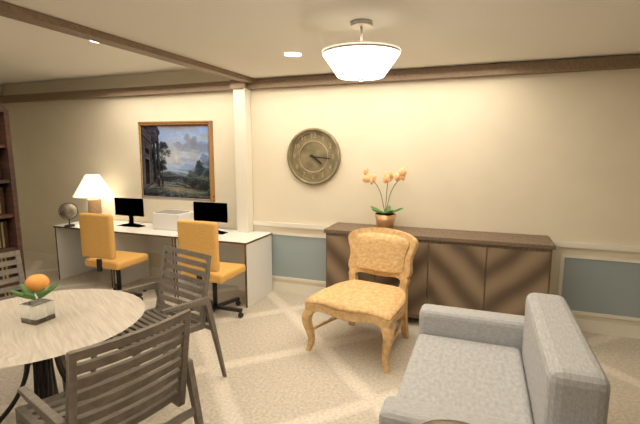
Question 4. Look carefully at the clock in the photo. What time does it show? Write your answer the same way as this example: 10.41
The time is 4.16
